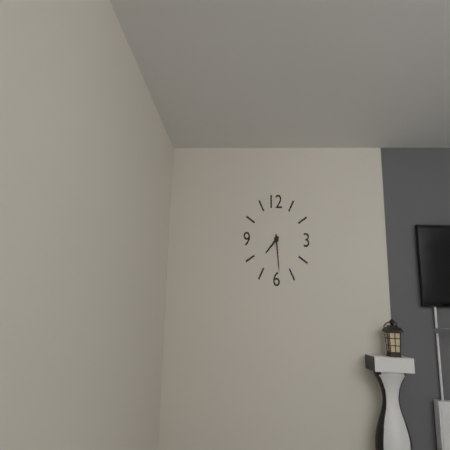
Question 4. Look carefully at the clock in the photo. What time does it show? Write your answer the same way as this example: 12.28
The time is 7.29
